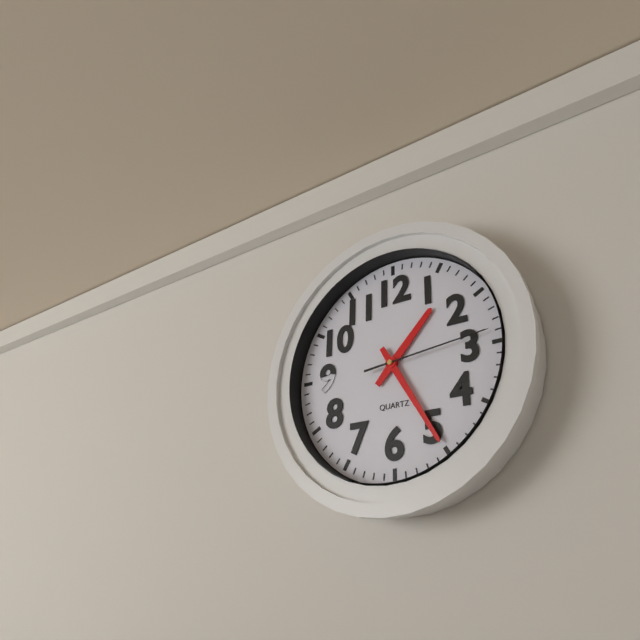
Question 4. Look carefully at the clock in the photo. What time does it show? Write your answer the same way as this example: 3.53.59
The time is 1.25.14
